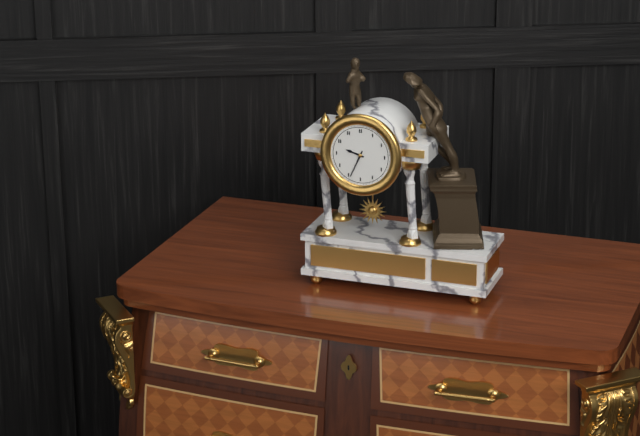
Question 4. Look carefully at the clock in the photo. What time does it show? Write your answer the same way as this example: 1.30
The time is 9.34
